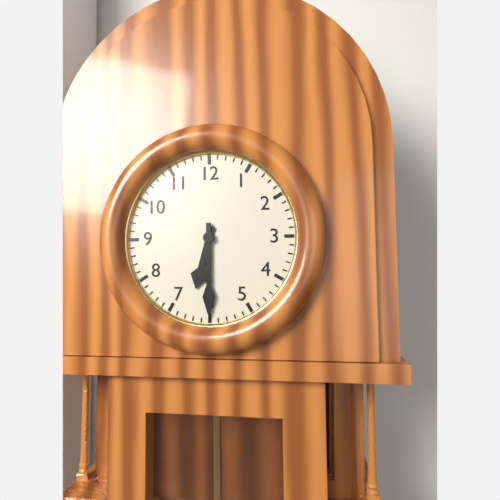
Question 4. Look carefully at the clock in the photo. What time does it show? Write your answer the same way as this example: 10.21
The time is 6.30
